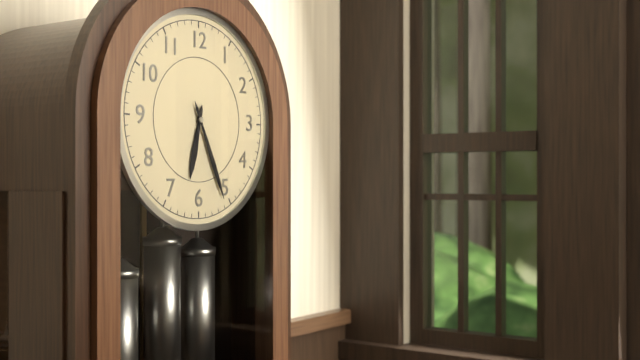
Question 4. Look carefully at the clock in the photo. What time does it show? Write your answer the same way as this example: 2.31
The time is 6.26
